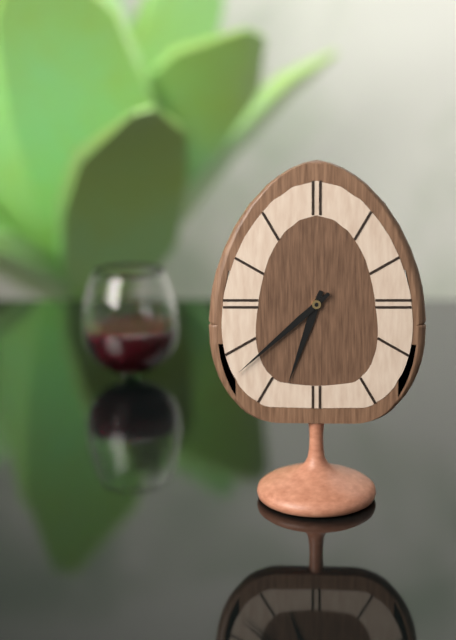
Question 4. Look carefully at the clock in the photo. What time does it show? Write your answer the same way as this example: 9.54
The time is 6.38
